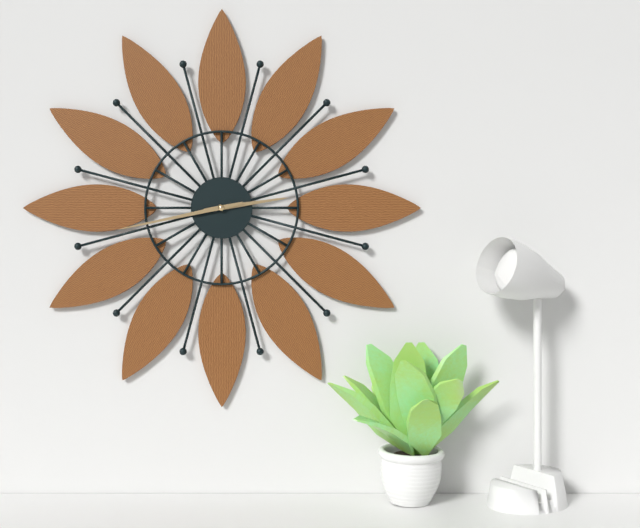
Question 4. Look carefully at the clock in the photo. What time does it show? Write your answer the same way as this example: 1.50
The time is 2.43
